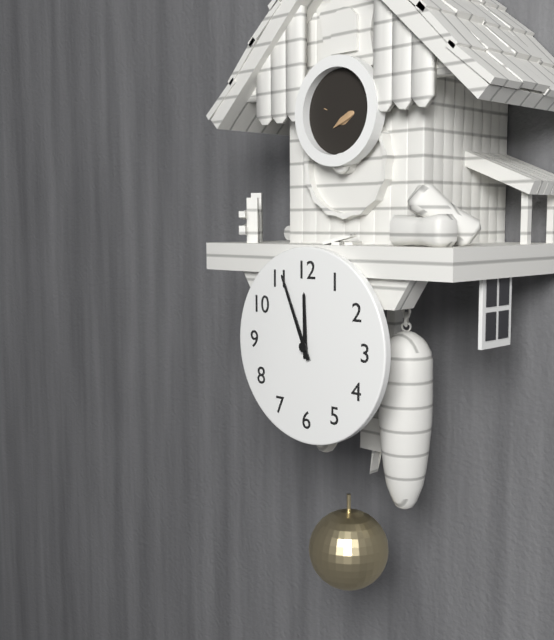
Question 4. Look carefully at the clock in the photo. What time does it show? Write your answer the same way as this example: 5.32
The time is 11.56
